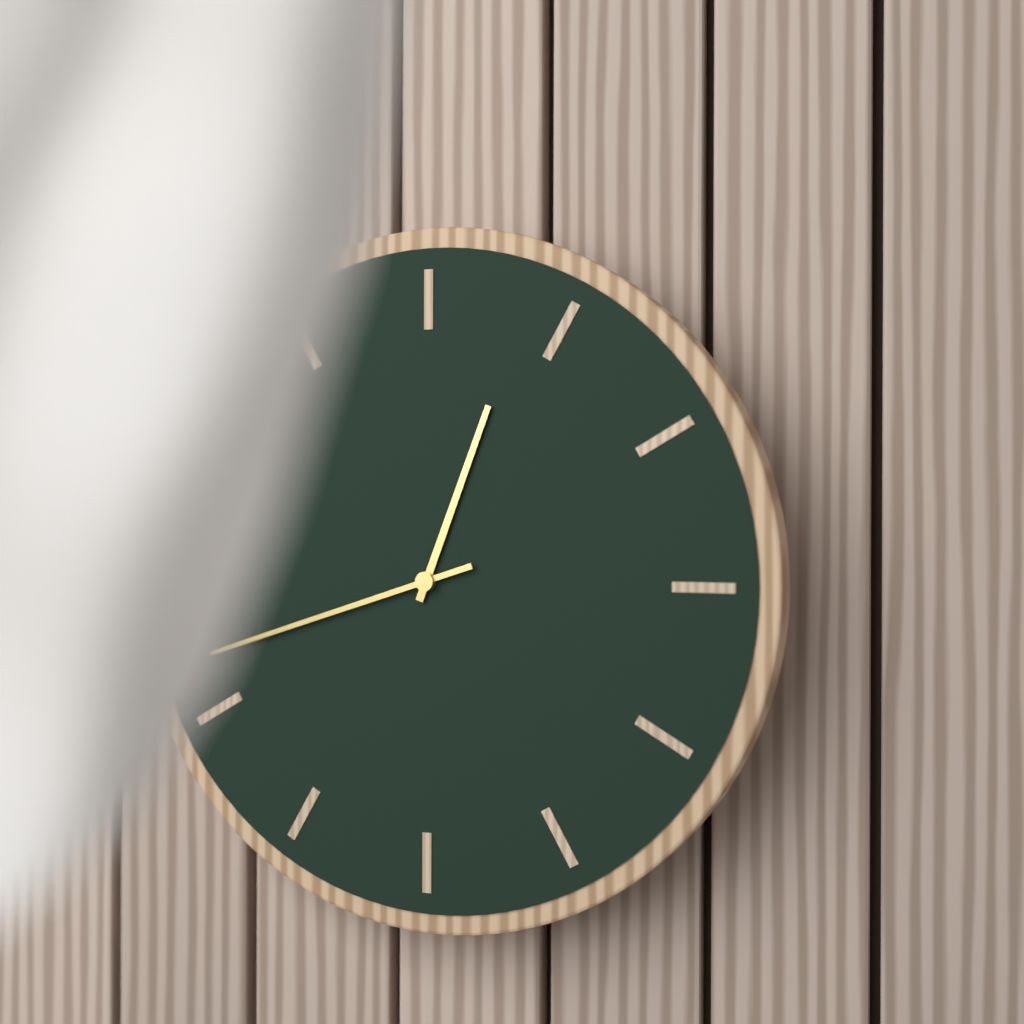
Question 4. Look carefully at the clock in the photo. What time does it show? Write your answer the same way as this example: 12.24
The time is 12.42
